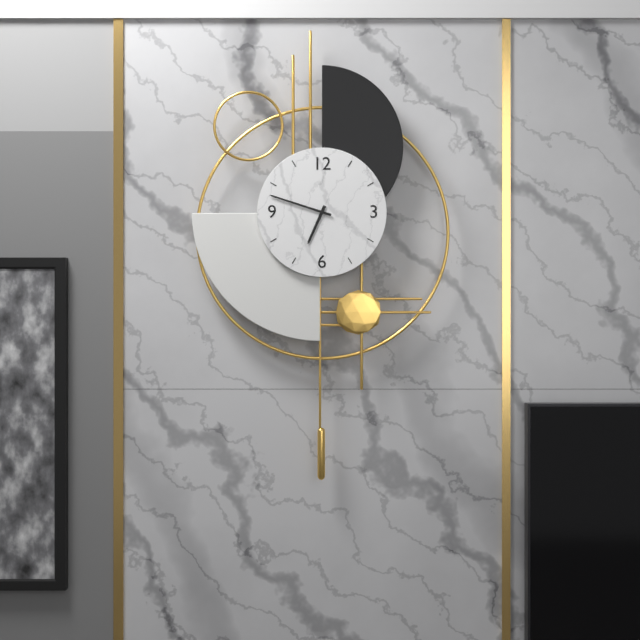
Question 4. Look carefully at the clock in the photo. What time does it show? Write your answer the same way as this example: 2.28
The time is 6.48
